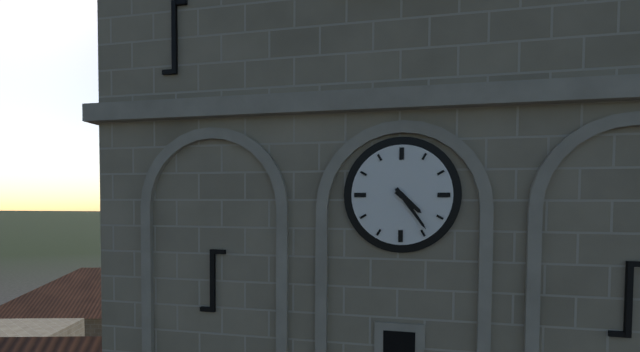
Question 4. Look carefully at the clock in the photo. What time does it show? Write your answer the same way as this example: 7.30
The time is 4.24
